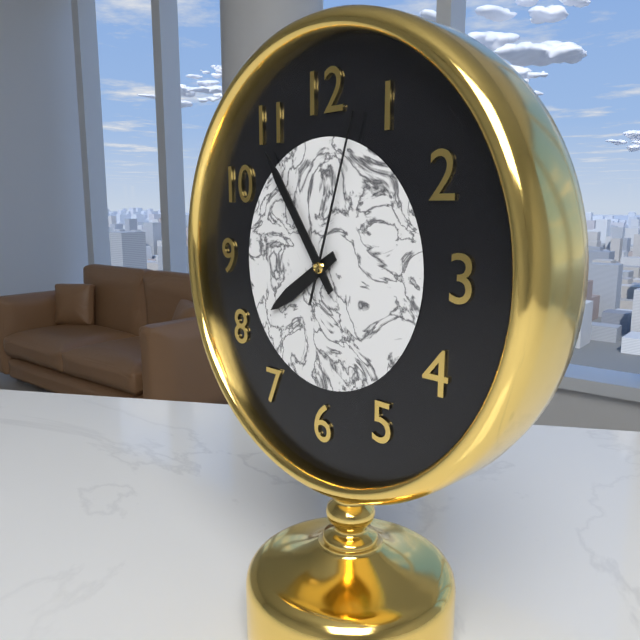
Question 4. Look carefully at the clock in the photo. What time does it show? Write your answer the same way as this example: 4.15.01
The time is 7.54.03
